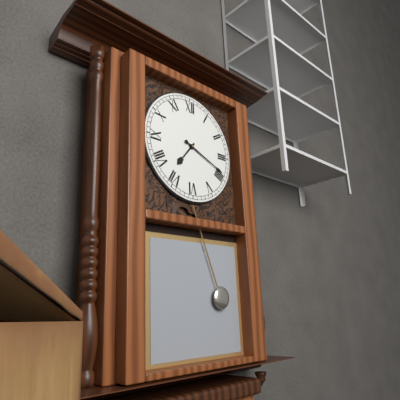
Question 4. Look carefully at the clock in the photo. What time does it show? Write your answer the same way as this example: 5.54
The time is 7.19
